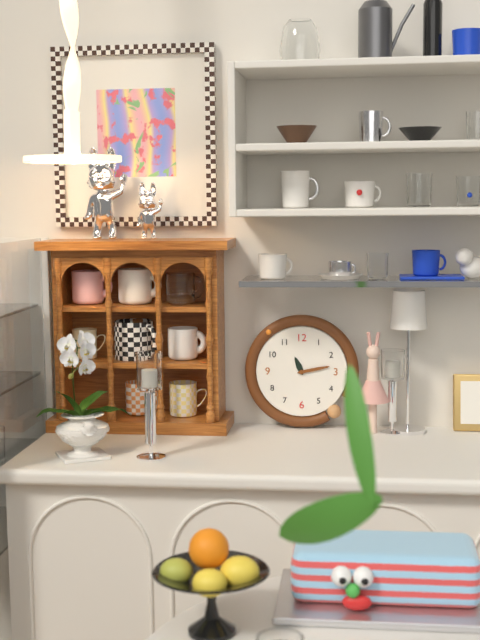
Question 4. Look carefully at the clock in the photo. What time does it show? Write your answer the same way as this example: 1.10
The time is 11.13
